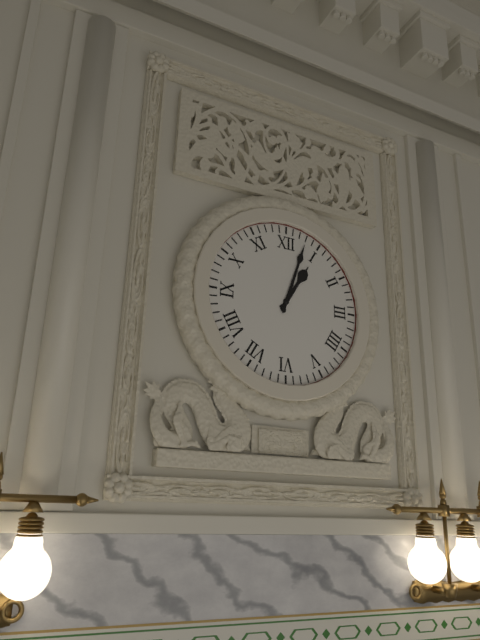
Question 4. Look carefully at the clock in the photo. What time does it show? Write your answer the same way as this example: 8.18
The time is 1.03
